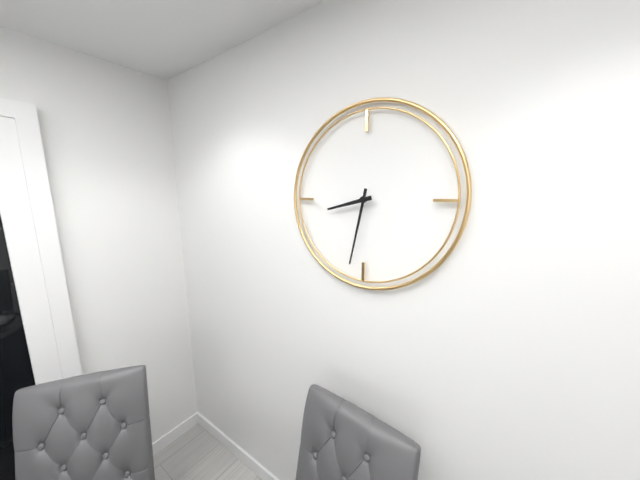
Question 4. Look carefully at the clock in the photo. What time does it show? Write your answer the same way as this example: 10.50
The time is 8.32
